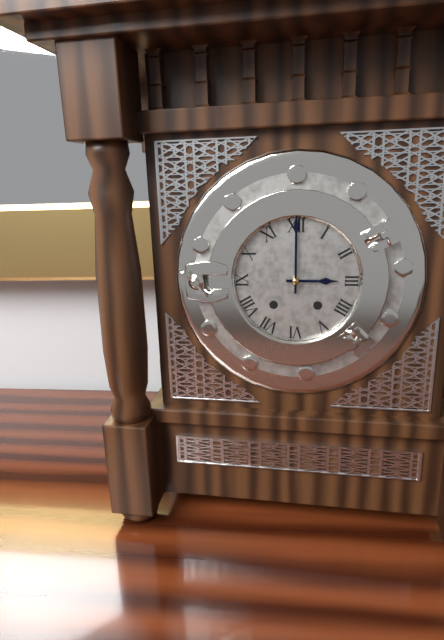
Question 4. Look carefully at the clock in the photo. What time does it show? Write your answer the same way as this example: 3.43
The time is 3.00
